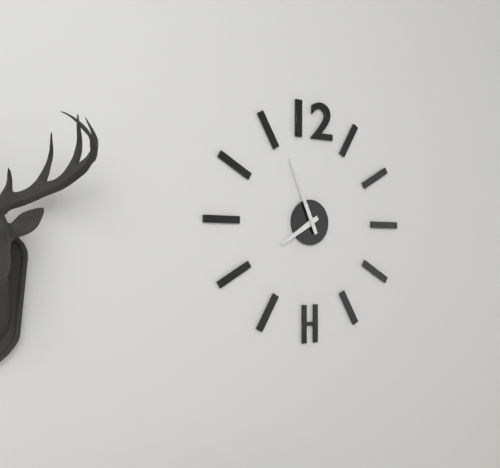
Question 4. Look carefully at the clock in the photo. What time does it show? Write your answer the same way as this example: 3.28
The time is 7.56
